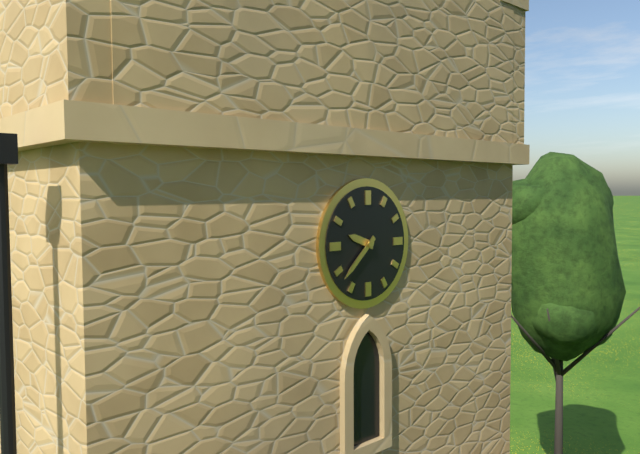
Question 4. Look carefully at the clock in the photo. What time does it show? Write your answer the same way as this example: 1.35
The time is 9.38
